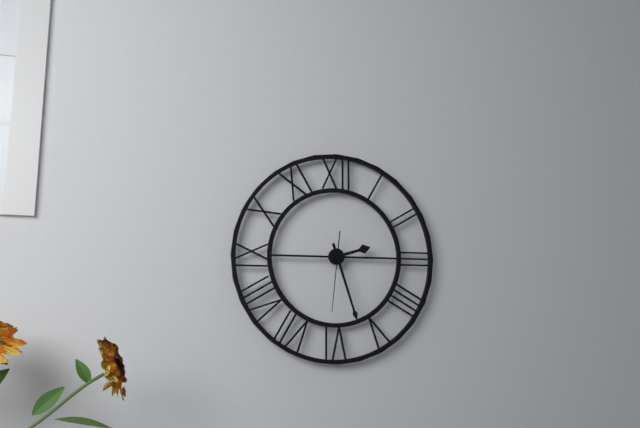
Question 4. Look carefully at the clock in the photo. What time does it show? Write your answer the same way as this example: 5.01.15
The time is 2.27.31
